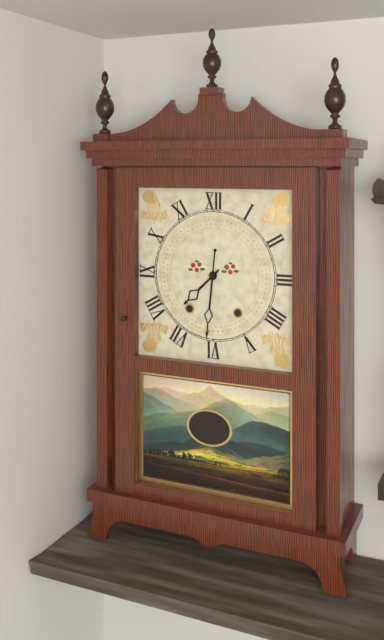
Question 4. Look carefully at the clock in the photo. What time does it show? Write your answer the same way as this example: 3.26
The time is 7.31
